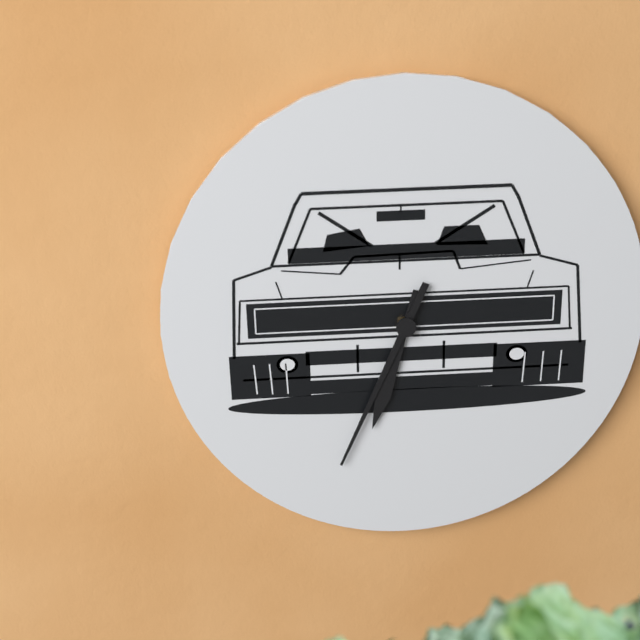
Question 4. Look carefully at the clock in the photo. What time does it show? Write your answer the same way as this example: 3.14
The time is 6.34
